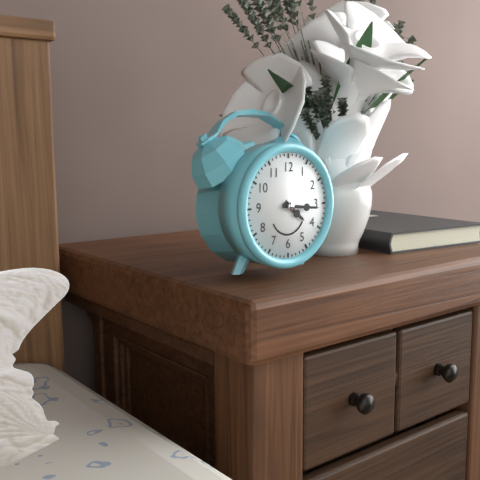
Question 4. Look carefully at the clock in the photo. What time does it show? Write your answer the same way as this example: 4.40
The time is 4.16
